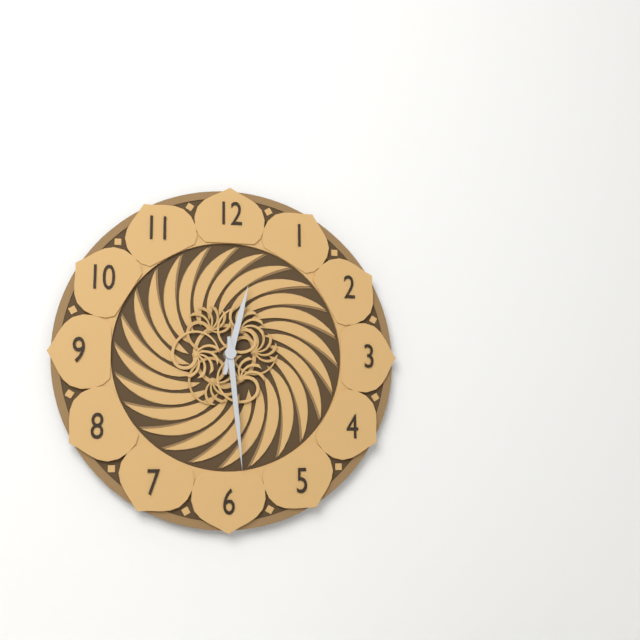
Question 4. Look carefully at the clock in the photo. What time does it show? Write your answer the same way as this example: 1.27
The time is 12.29
